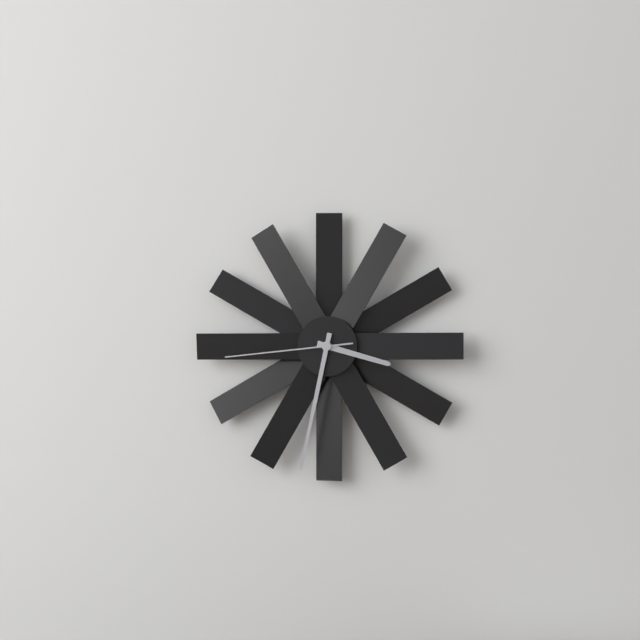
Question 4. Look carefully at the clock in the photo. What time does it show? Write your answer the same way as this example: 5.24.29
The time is 3.32.44
